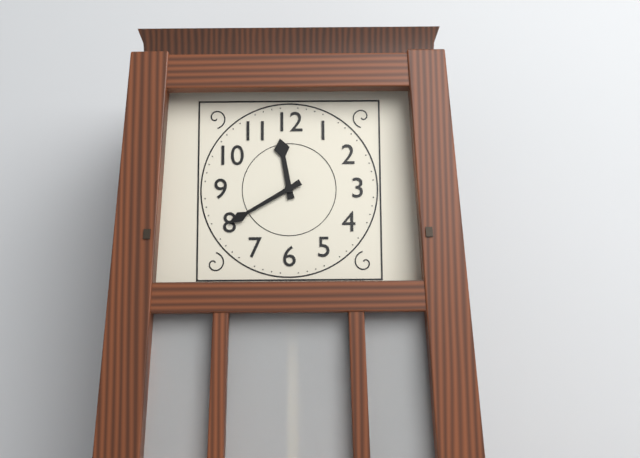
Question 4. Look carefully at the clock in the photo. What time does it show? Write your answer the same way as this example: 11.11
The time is 11.40
